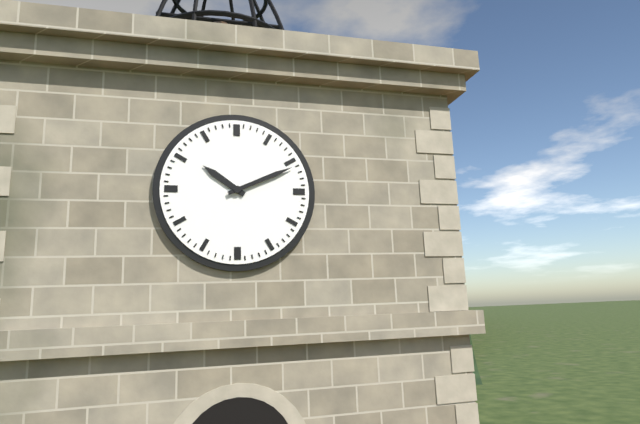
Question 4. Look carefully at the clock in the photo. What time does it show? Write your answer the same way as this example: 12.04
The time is 10.11
